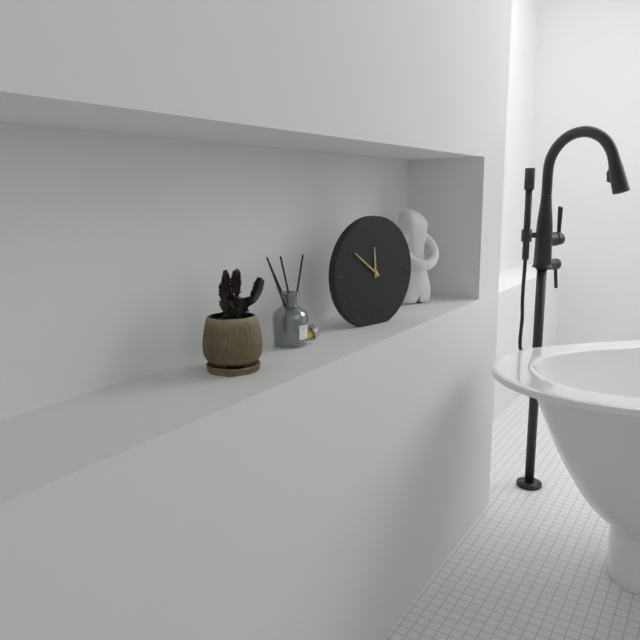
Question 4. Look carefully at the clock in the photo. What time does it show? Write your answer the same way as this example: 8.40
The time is 11.51
